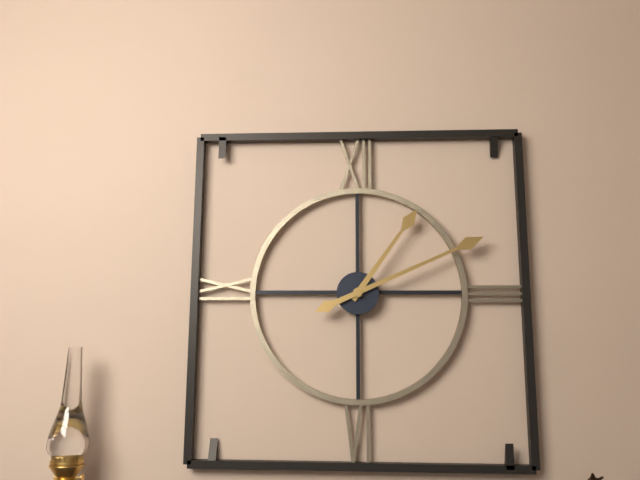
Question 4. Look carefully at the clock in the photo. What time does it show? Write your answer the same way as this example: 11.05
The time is 1.11
